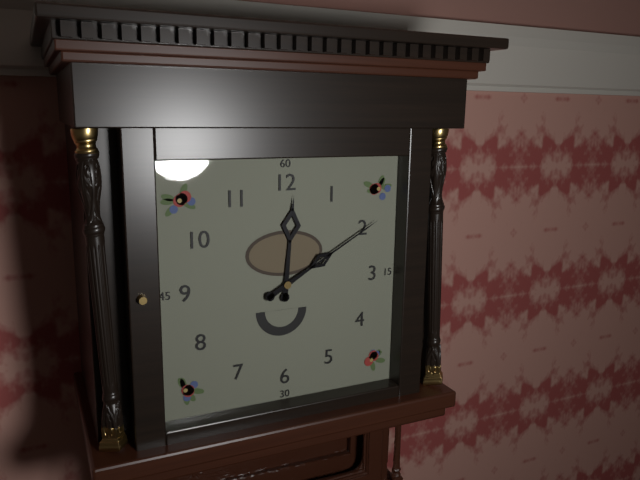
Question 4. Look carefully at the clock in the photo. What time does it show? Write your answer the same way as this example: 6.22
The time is 12.10
